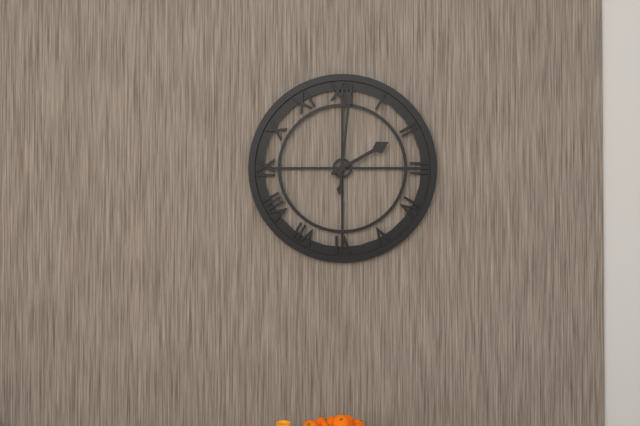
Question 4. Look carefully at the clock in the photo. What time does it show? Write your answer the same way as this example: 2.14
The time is 2.01
